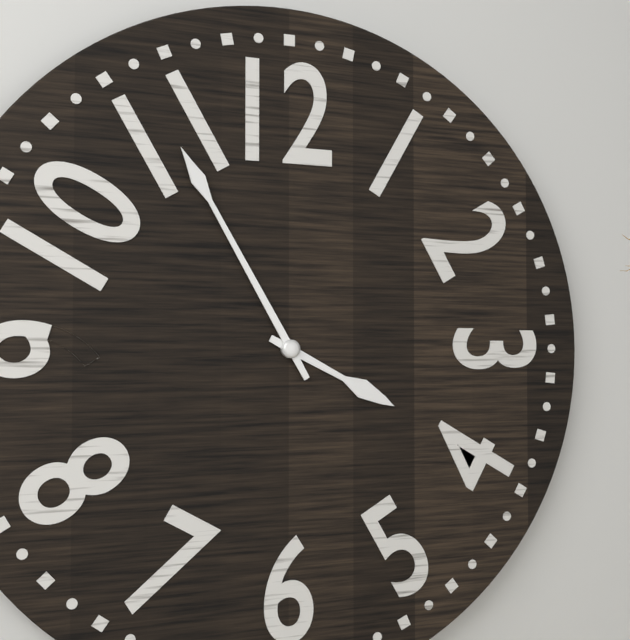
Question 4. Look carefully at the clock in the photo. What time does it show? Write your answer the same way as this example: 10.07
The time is 3.55
